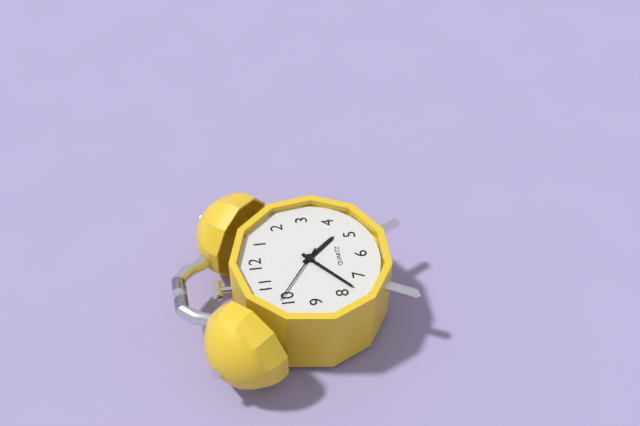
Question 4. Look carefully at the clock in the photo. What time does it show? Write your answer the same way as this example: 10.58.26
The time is 4.38.51
